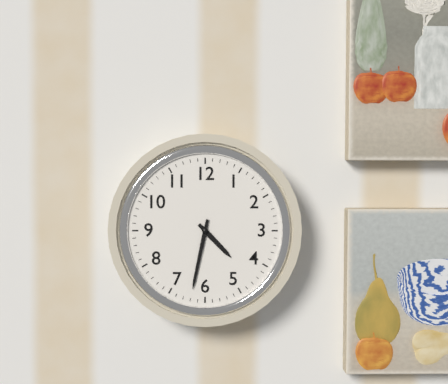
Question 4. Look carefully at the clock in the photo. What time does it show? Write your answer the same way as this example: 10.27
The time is 4.32
